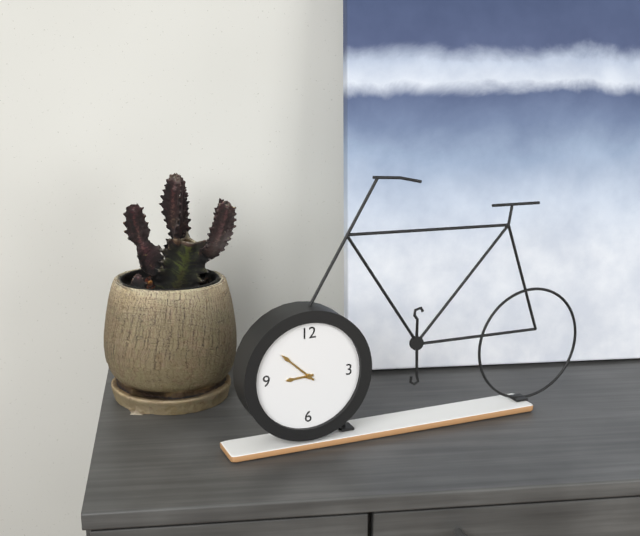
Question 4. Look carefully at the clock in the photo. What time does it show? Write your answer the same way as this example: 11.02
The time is 8.52
